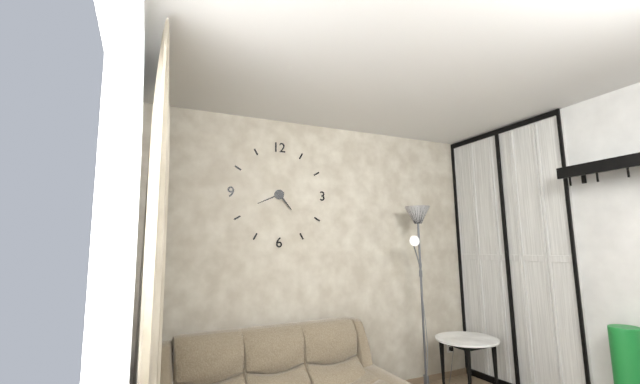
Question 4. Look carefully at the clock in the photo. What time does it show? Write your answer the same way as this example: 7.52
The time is 4.41
